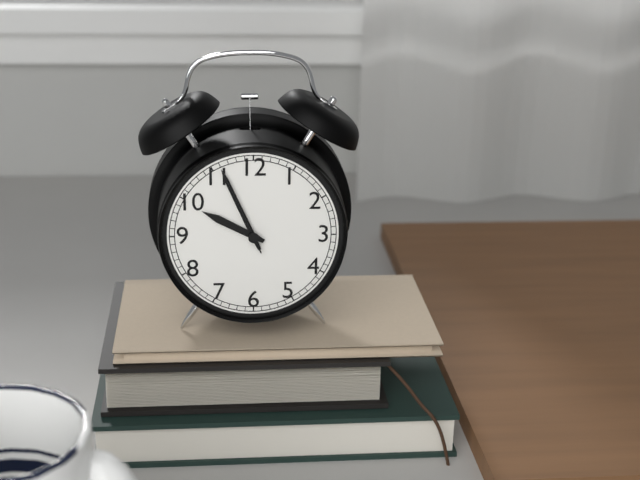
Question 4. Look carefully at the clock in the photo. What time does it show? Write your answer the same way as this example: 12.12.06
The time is 9.56.56
